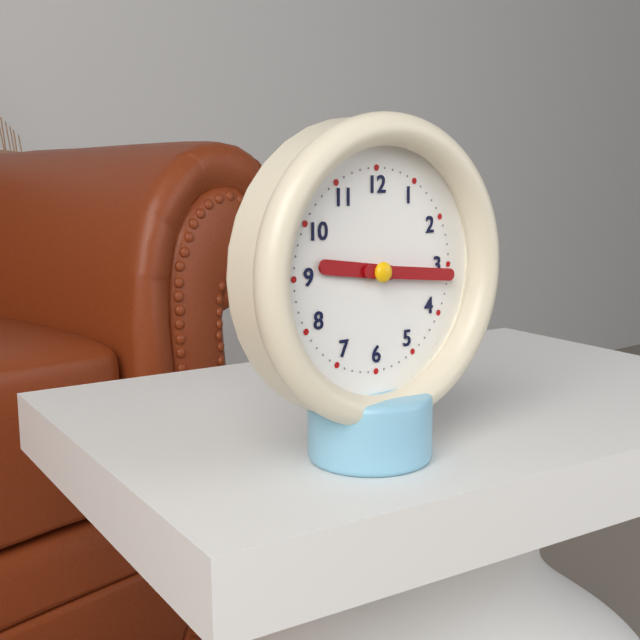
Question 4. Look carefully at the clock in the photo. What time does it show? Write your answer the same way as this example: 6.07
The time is 9.16
